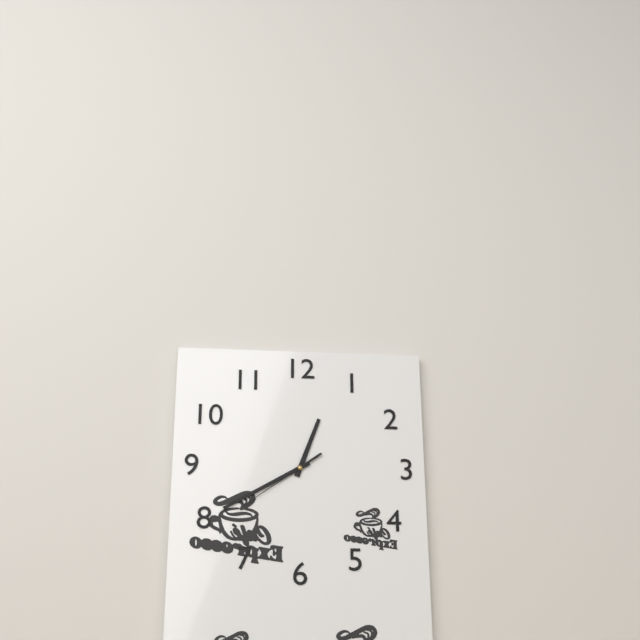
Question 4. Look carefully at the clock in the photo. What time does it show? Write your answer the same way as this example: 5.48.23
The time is 12.40.39
